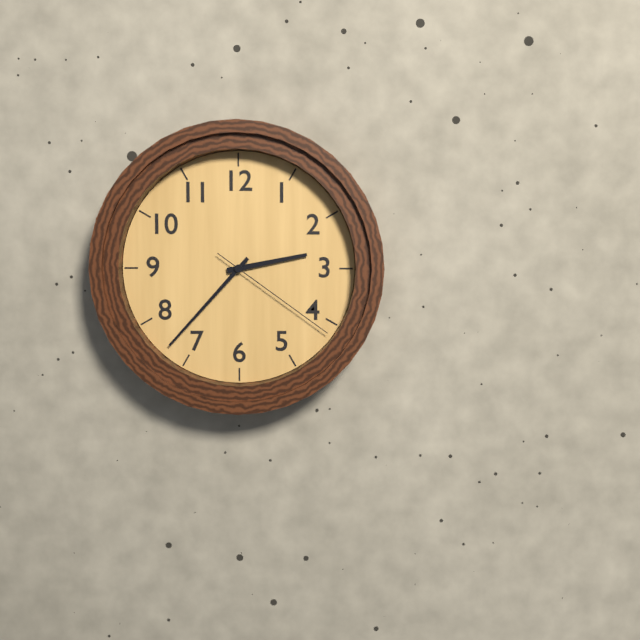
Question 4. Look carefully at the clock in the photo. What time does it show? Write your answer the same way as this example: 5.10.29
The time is 2.37.21
